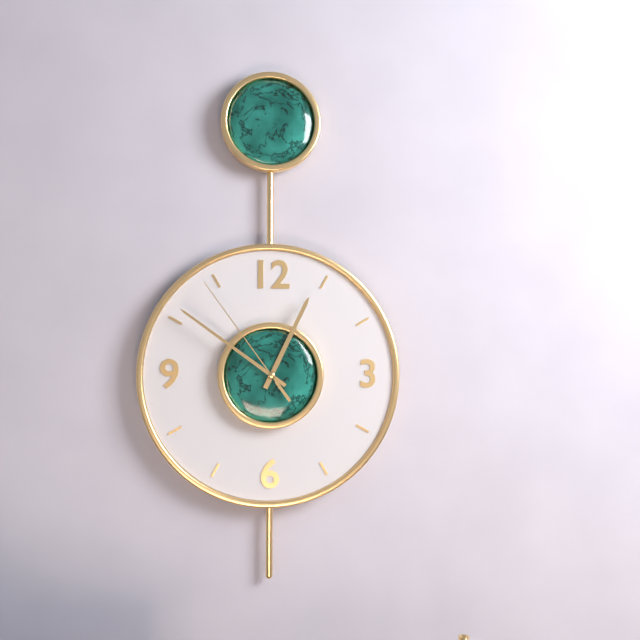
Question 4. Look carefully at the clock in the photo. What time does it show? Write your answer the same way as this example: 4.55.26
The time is 12.51.54
